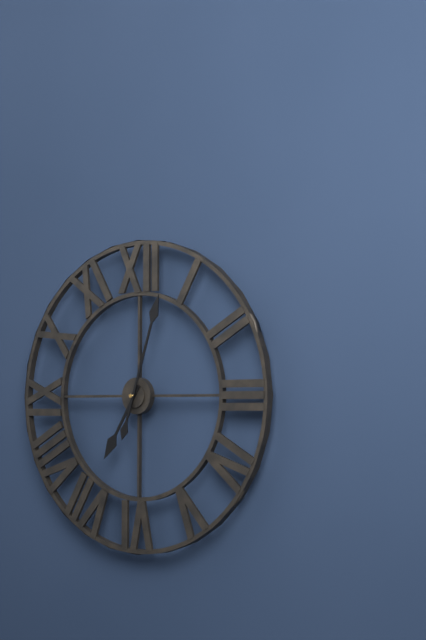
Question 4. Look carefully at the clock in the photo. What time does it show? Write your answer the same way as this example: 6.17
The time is 7.03
